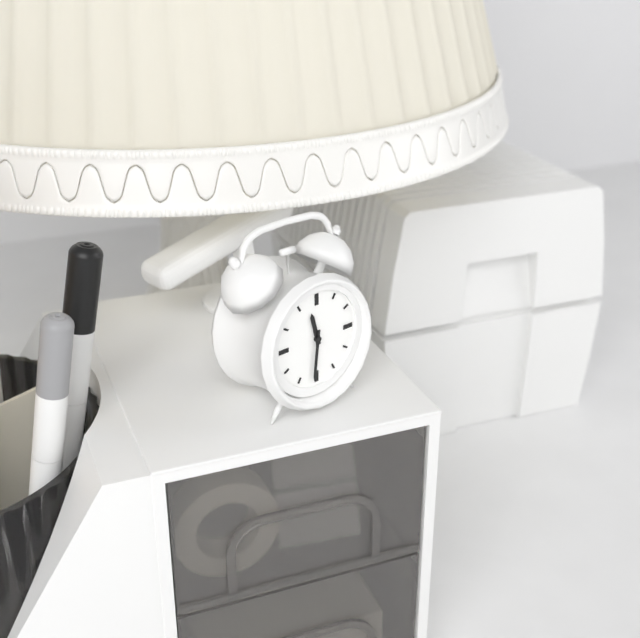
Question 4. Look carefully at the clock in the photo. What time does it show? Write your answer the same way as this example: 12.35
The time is 11.31
